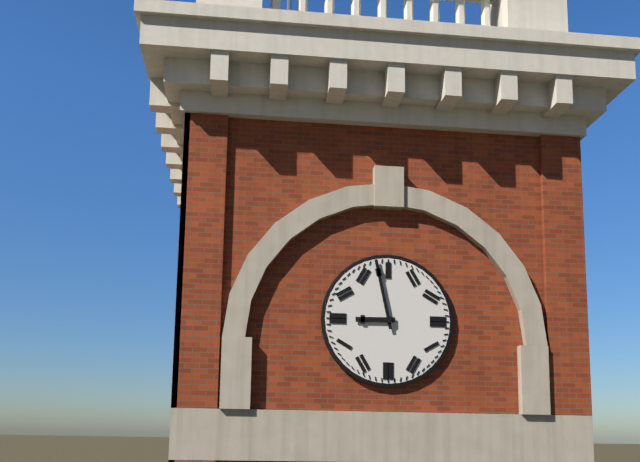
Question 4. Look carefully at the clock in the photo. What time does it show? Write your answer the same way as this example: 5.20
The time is 8.58
